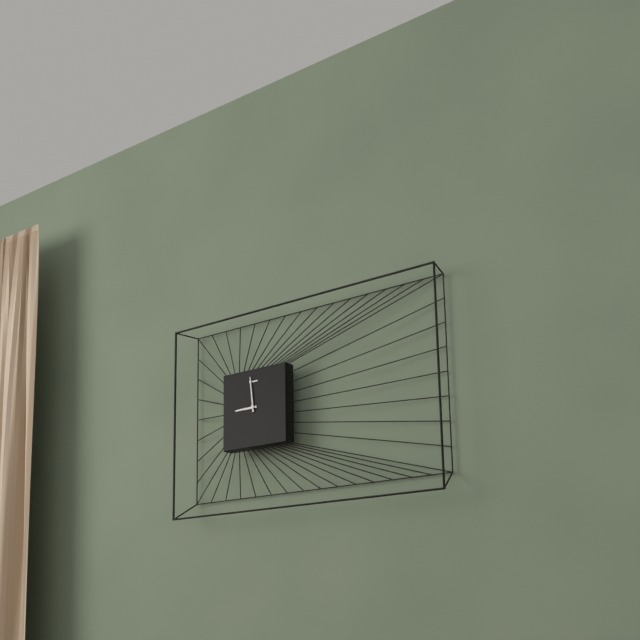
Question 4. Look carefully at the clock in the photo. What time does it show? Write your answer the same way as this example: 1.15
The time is 8.59
